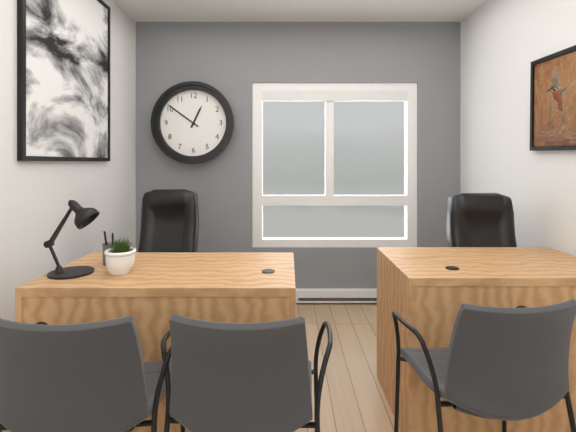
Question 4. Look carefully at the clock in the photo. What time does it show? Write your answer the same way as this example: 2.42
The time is 12.51
